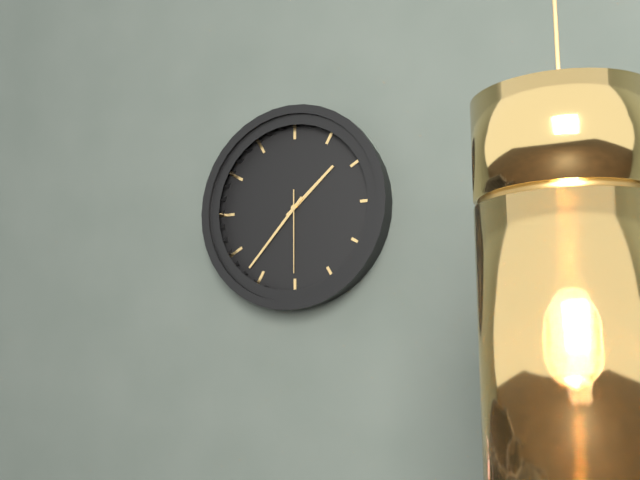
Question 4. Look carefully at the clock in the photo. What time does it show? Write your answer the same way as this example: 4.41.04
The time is 1.37.30
